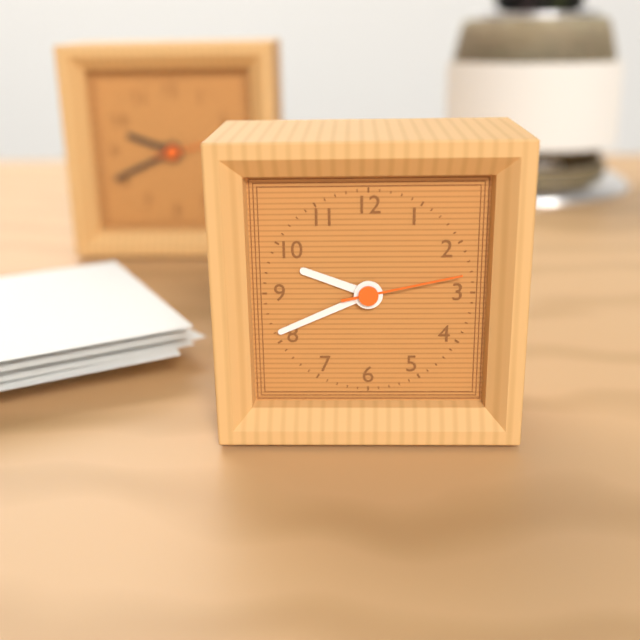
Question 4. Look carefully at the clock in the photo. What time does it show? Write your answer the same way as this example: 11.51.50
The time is 9.41.13
